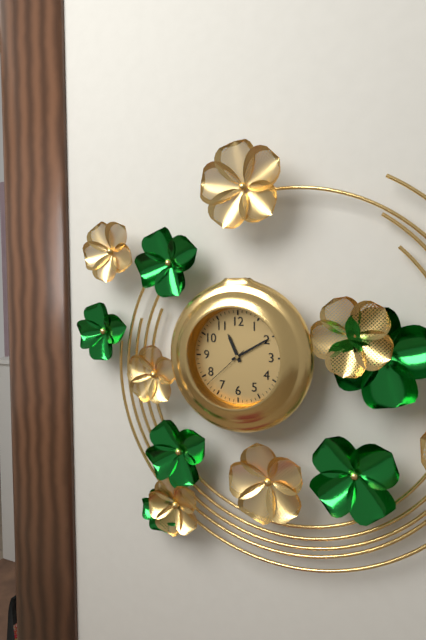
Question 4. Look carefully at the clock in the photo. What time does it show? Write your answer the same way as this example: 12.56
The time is 11.10
